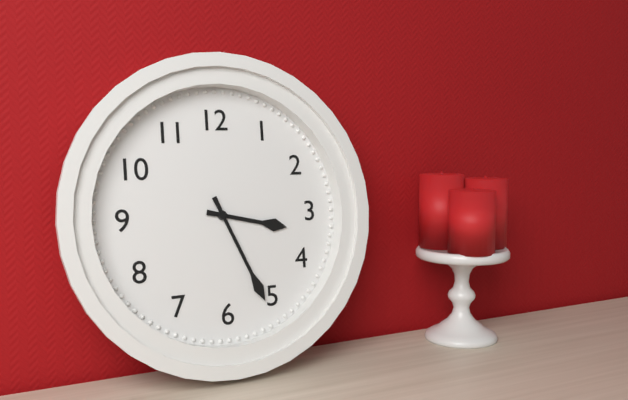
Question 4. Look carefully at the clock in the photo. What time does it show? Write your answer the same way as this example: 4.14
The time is 3.26
